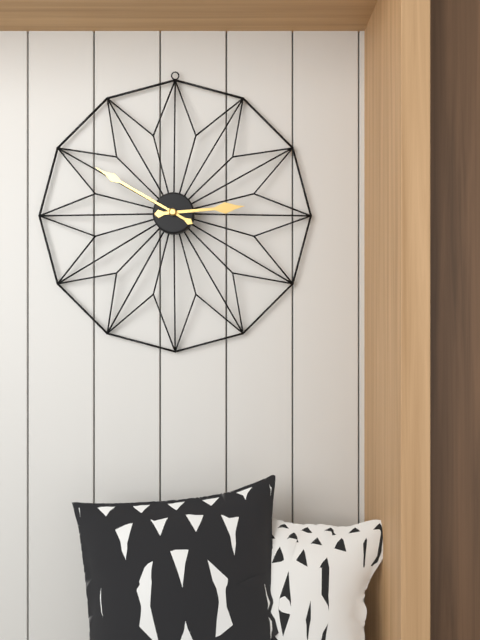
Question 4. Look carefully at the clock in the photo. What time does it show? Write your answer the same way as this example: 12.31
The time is 2.50
